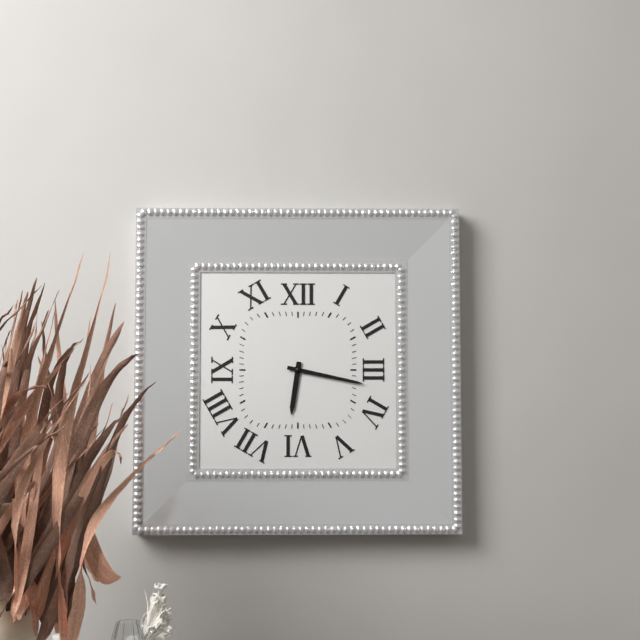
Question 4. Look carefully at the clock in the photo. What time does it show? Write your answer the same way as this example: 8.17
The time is 6.17
